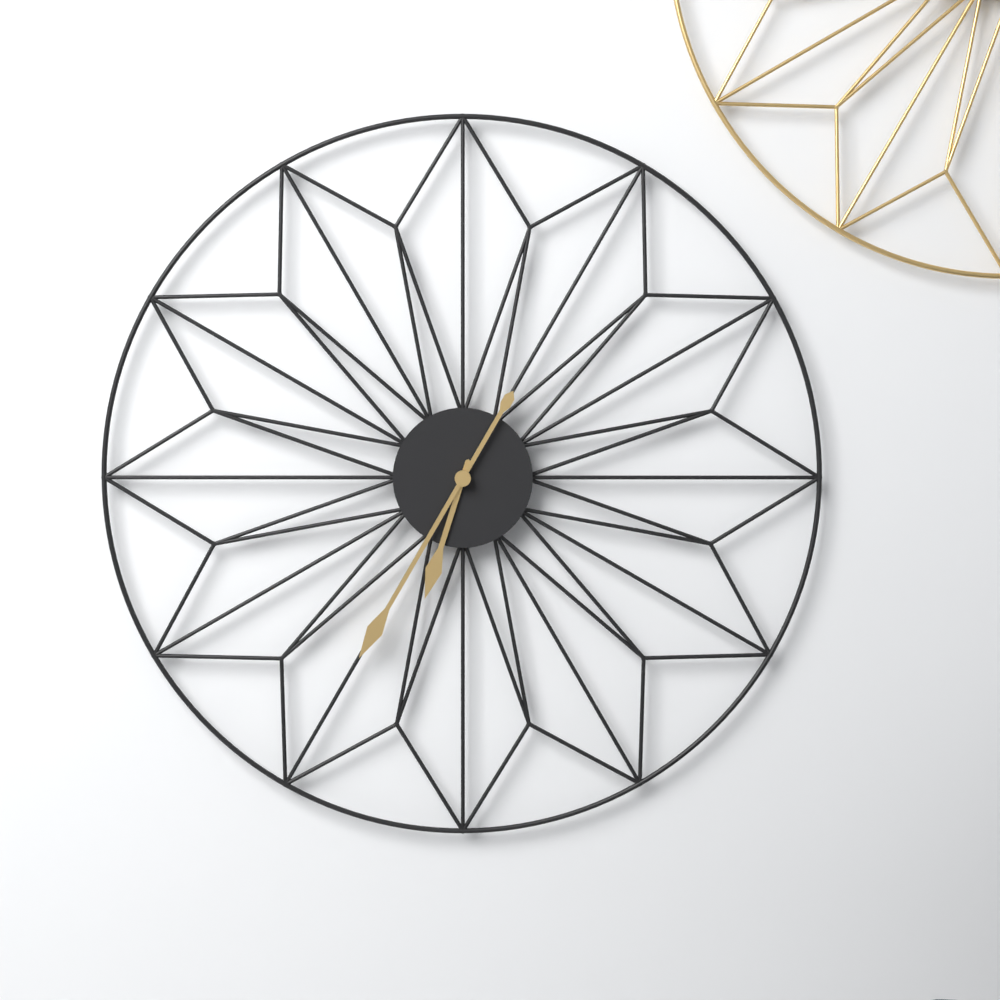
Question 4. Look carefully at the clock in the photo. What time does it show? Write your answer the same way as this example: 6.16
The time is 6.35
